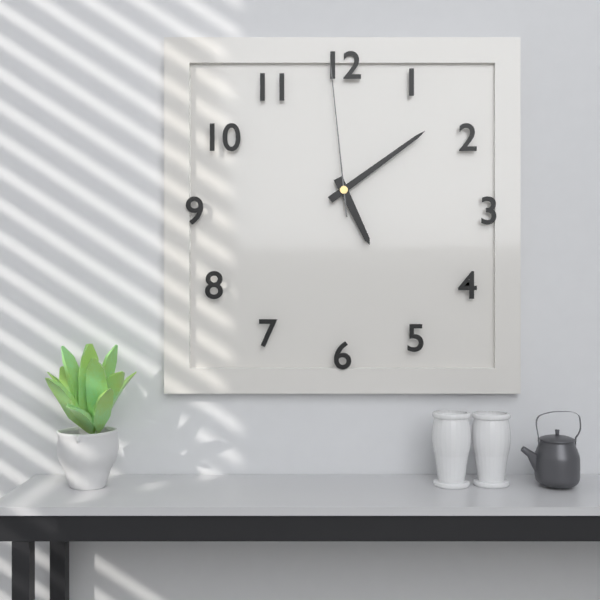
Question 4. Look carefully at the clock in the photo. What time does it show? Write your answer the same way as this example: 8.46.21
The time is 5.09.59
